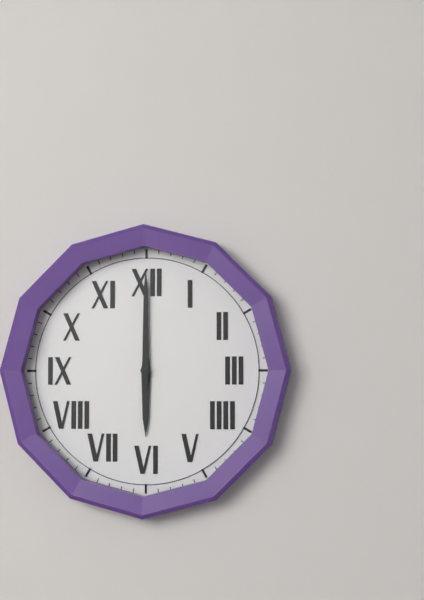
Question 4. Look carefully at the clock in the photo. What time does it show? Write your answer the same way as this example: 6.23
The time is 6.00
